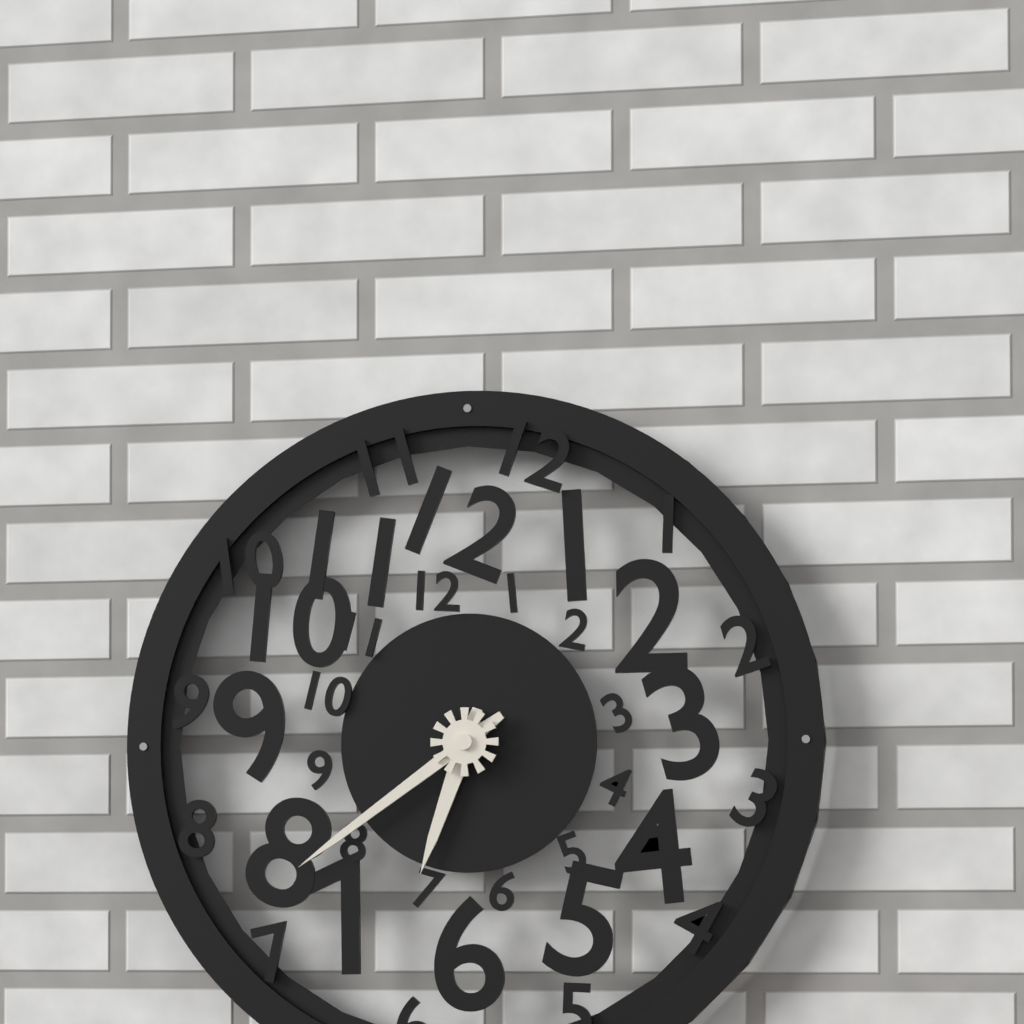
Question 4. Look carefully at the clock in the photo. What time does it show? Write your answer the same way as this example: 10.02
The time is 6.39
